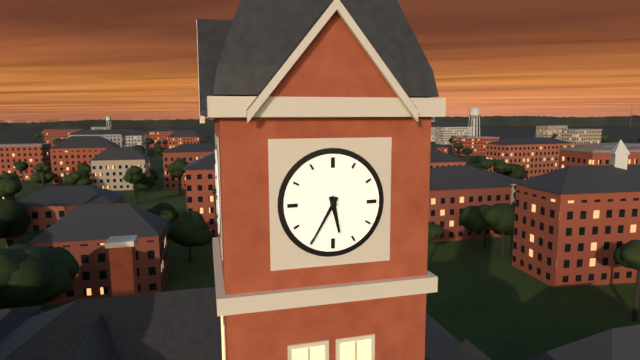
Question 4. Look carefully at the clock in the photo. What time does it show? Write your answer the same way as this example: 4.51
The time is 5.35
